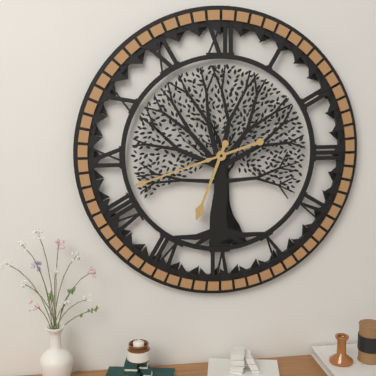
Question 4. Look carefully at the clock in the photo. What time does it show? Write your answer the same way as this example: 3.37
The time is 6.42
